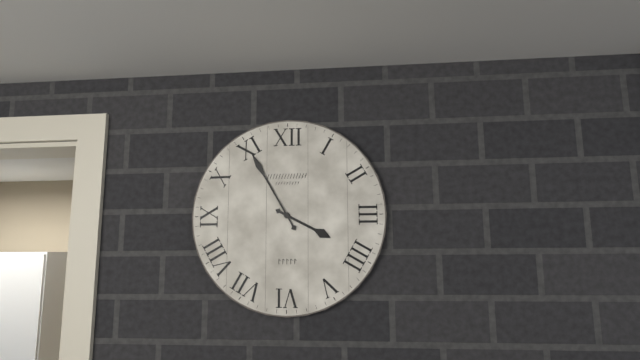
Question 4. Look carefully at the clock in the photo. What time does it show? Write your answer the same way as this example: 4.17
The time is 3.55
